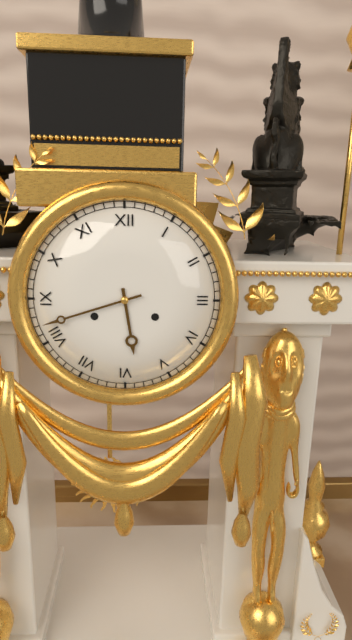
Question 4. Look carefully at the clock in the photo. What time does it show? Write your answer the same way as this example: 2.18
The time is 5.42
